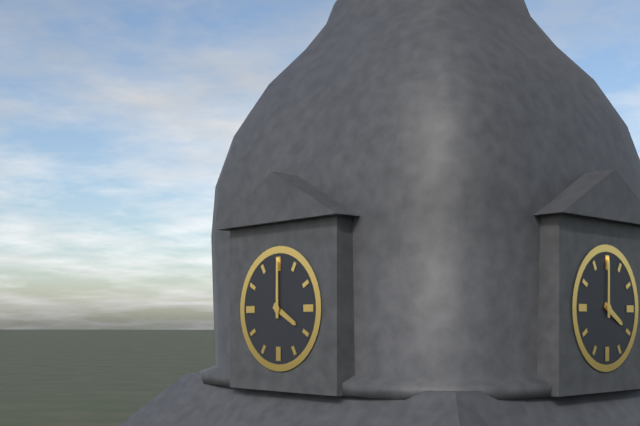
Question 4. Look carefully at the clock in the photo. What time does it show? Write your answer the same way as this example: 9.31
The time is 4.00
